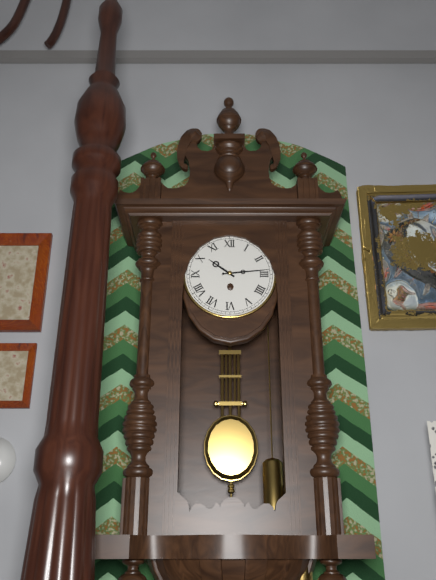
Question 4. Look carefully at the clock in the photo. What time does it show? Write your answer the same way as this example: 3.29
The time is 10.14
